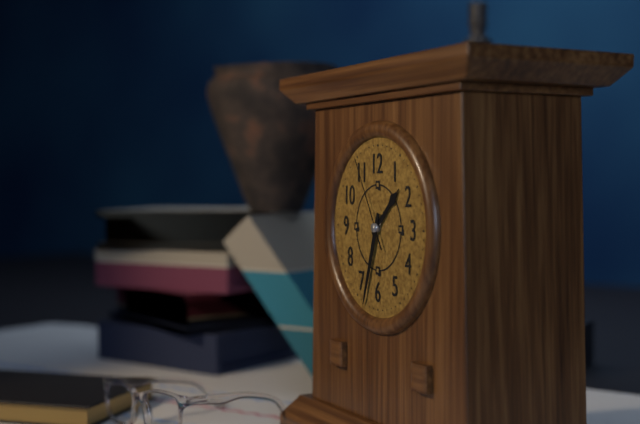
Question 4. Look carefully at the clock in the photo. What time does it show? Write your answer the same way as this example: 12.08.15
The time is 1.33.55
